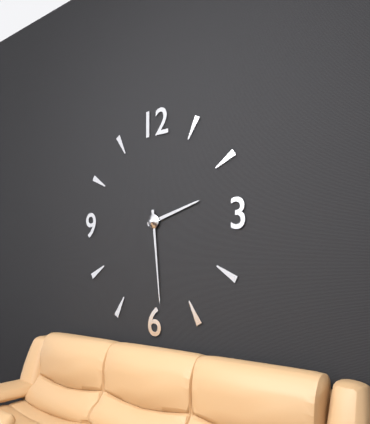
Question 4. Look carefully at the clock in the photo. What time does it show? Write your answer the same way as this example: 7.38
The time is 2.29
